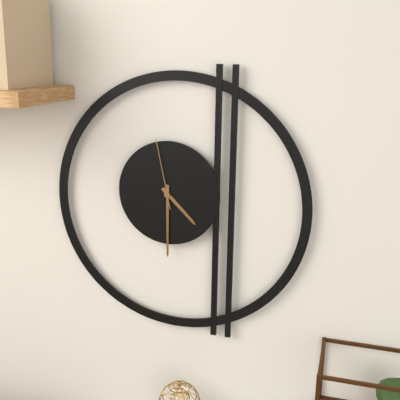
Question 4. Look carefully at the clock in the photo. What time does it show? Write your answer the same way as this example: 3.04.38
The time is 4.30.58
